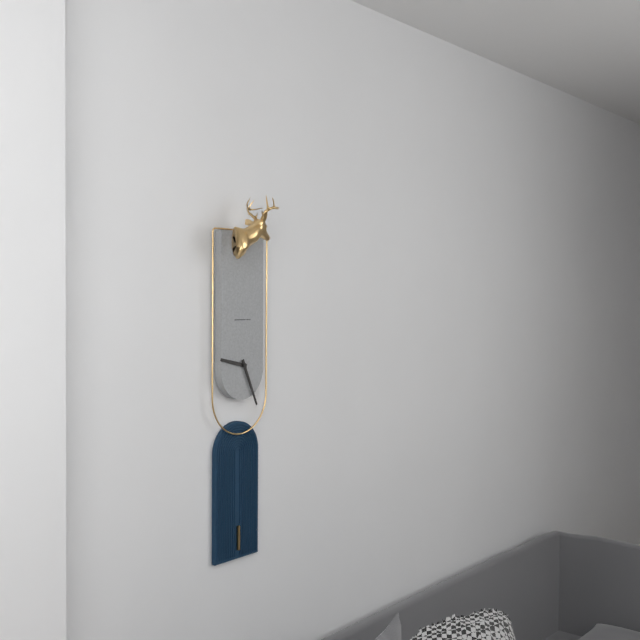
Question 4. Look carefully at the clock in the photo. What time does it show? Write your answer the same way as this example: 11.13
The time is 9.26
